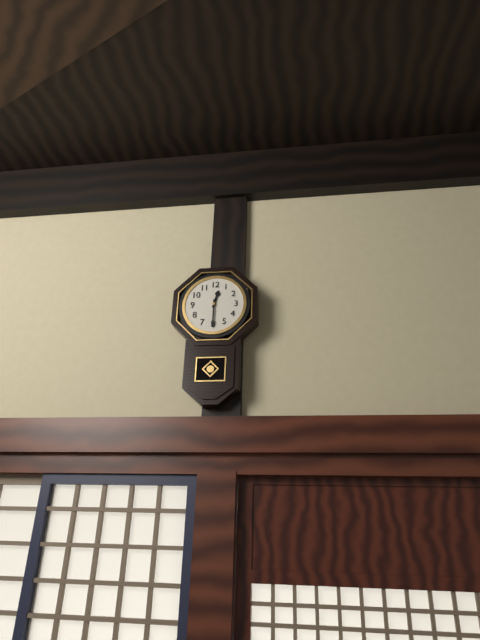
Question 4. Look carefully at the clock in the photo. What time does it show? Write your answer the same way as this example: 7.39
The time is 12.30
